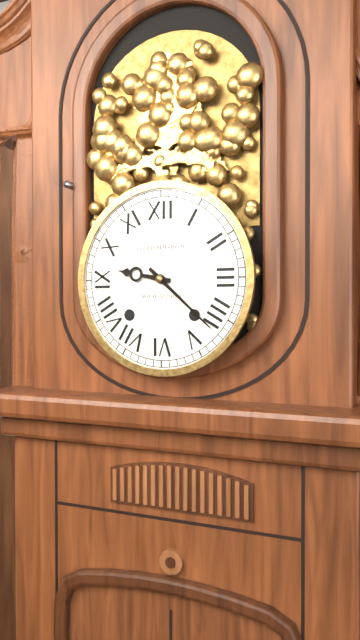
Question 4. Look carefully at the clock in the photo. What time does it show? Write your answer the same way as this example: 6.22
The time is 9.22
